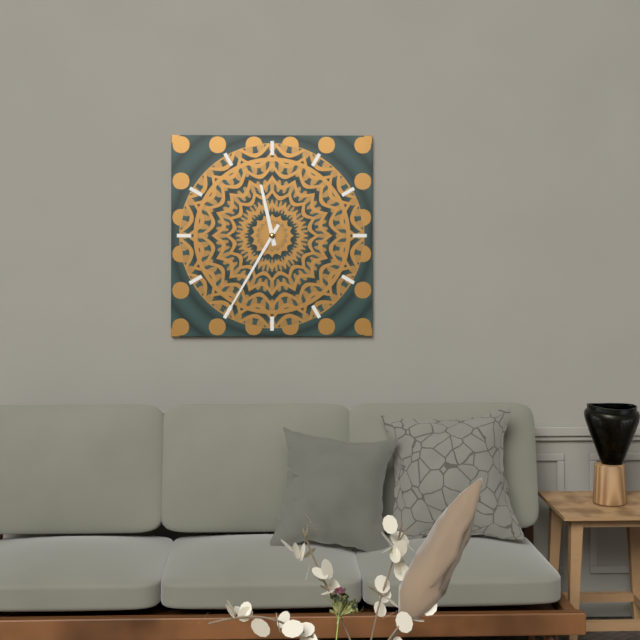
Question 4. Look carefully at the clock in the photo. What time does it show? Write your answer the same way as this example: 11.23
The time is 11.35
